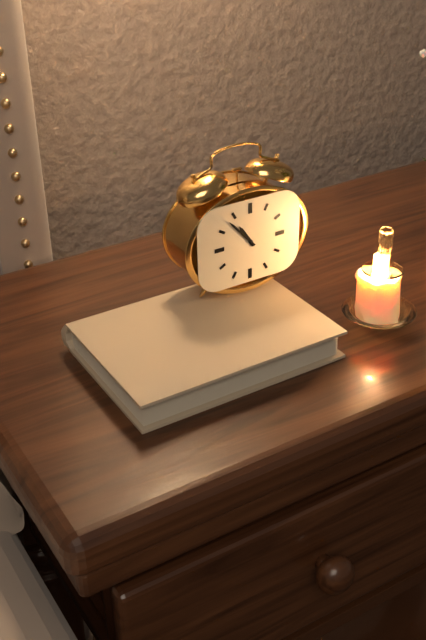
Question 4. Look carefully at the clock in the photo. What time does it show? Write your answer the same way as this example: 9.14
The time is 10.53
